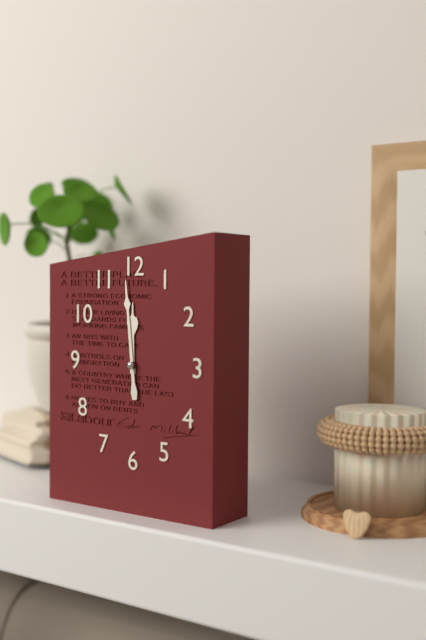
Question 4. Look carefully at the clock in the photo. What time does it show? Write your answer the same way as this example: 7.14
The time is 11.59
